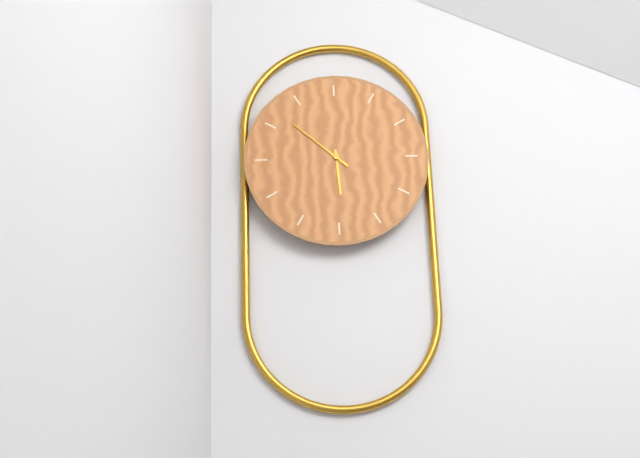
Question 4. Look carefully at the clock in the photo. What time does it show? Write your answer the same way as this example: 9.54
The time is 5.52
